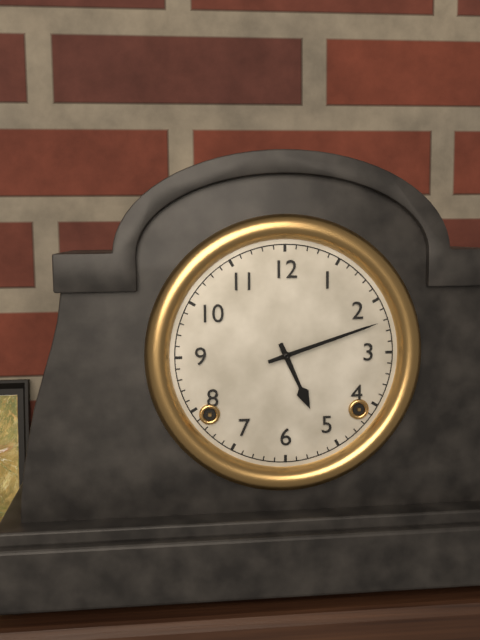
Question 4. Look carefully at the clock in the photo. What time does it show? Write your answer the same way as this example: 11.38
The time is 5.12
